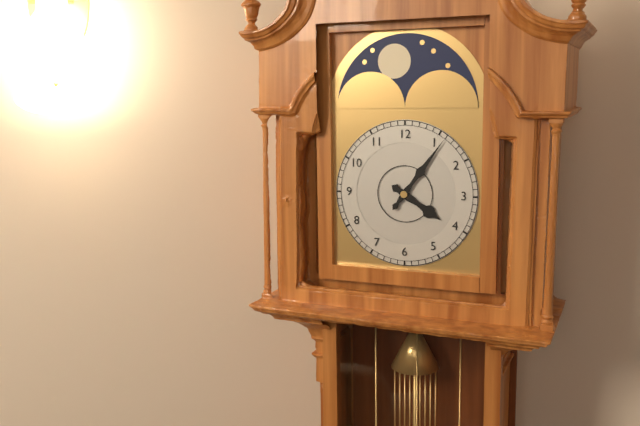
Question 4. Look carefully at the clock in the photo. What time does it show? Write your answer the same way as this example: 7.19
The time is 4.06
